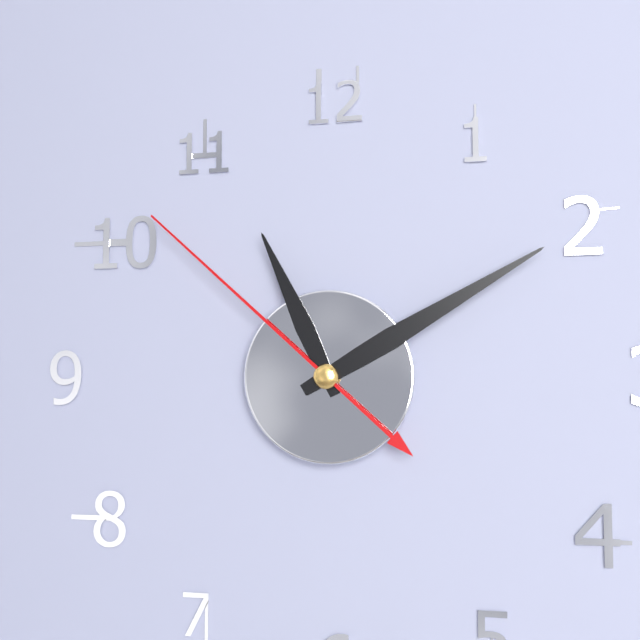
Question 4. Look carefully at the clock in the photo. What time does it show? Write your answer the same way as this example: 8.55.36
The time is 11.10.52
